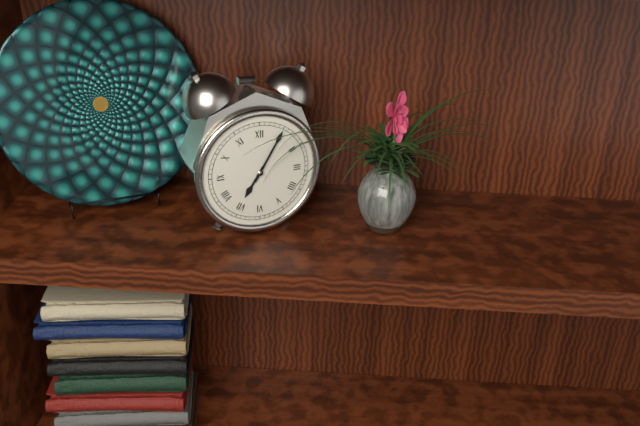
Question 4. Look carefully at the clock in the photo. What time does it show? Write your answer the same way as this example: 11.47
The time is 7.05
